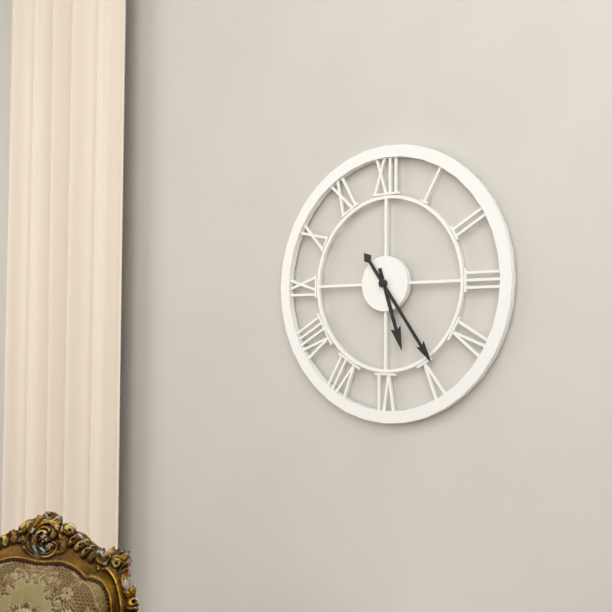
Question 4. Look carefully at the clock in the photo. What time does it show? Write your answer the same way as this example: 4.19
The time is 5.24
